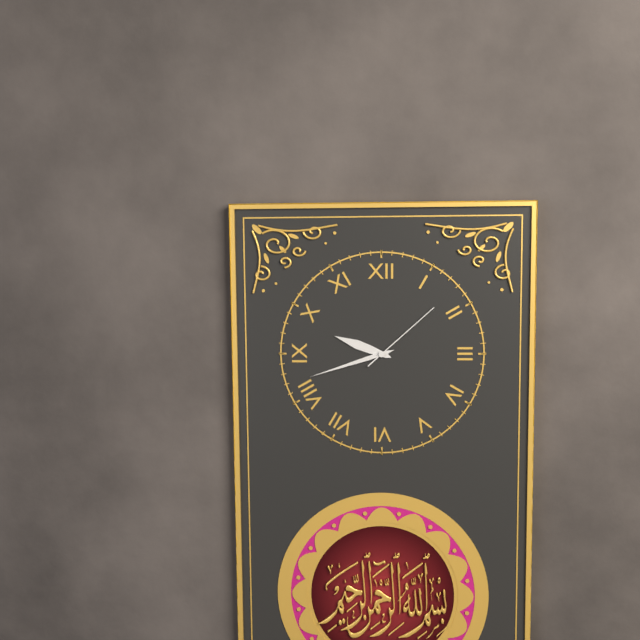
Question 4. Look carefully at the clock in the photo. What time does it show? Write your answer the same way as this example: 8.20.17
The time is 9.42.08
